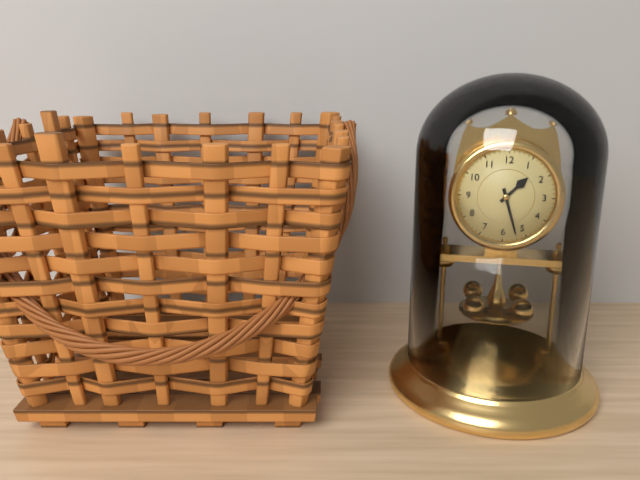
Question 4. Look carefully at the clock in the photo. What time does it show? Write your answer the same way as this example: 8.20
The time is 1.27
